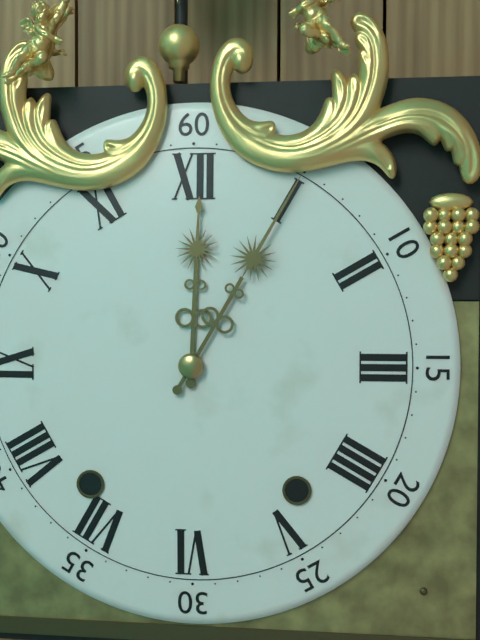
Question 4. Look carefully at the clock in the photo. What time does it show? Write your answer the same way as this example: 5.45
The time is 12.05
